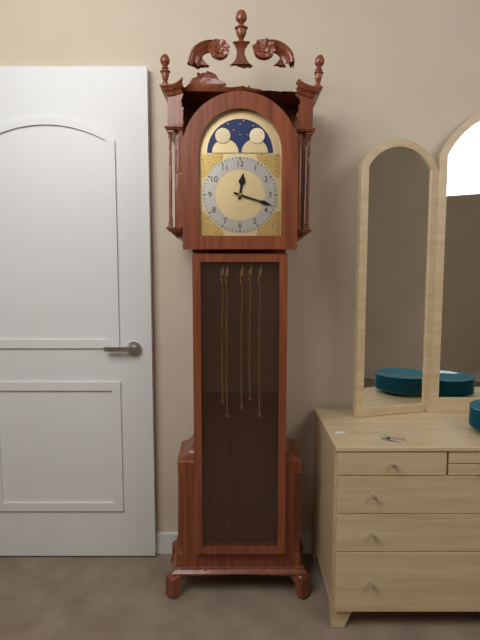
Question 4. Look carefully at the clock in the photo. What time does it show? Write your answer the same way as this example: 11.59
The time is 12.18
